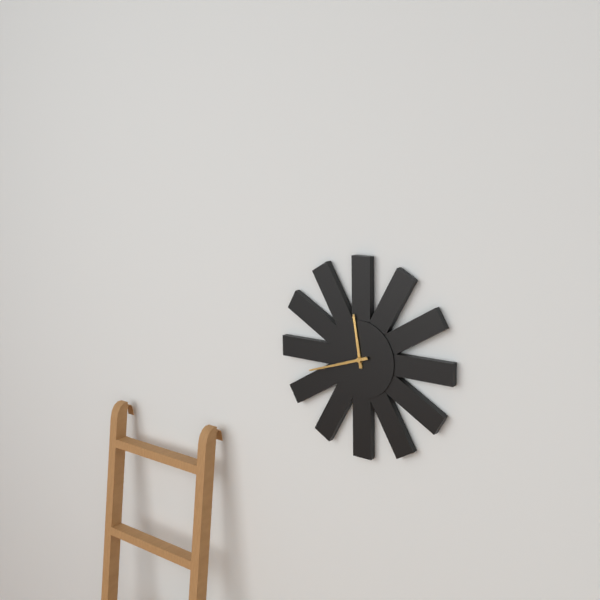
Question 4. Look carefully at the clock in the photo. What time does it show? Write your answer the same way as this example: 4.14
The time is 11.42
